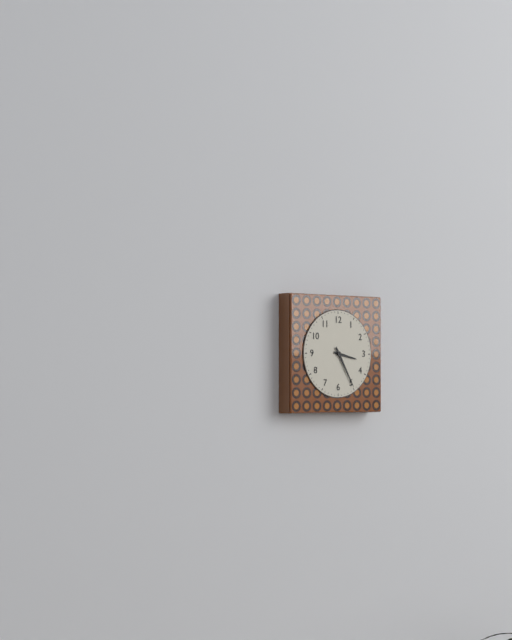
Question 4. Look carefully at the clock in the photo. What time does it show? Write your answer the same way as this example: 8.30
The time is 3.25
